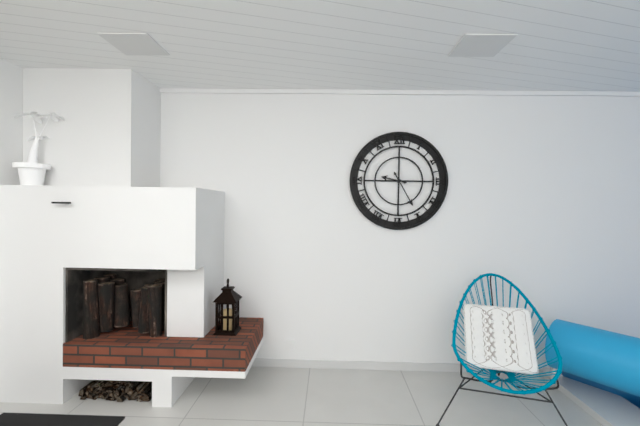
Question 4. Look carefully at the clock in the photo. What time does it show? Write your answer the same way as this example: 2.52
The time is 9.25
